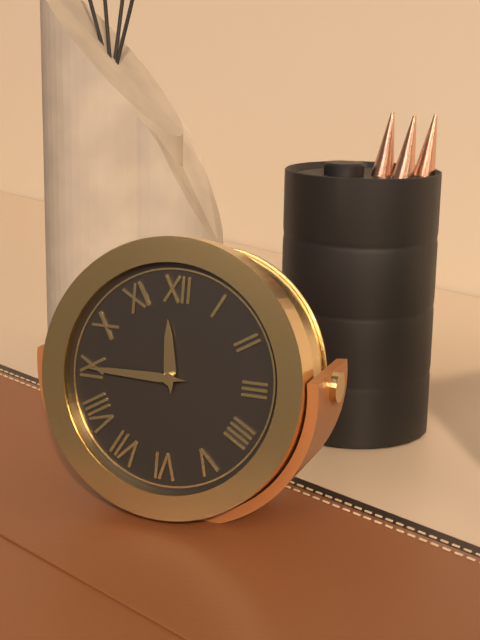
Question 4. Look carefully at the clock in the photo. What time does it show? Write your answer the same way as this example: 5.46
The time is 11.45
